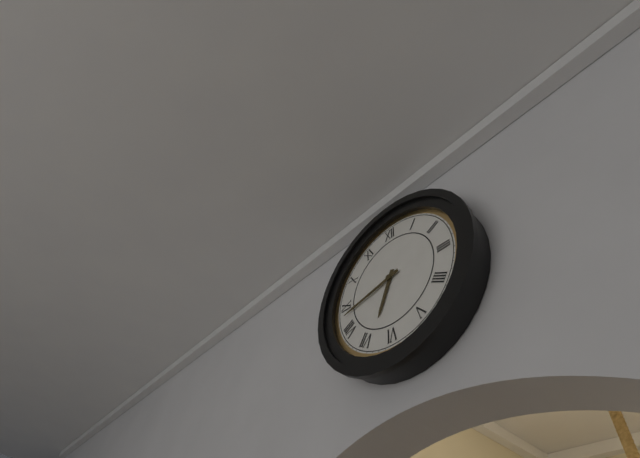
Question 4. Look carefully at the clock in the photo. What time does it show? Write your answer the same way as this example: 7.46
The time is 6.43
